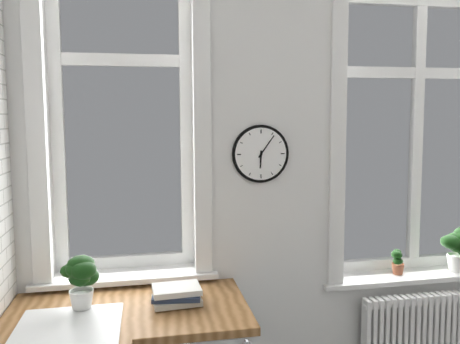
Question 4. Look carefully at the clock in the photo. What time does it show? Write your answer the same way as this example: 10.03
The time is 6.06
